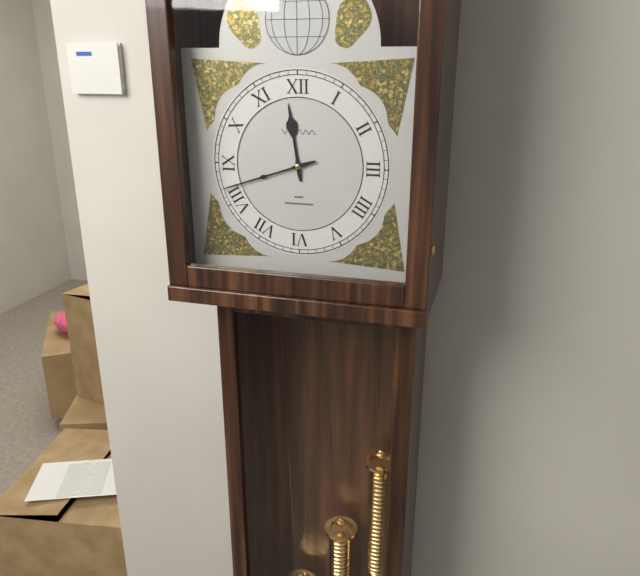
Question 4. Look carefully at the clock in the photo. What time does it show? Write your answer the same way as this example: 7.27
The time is 11.42
